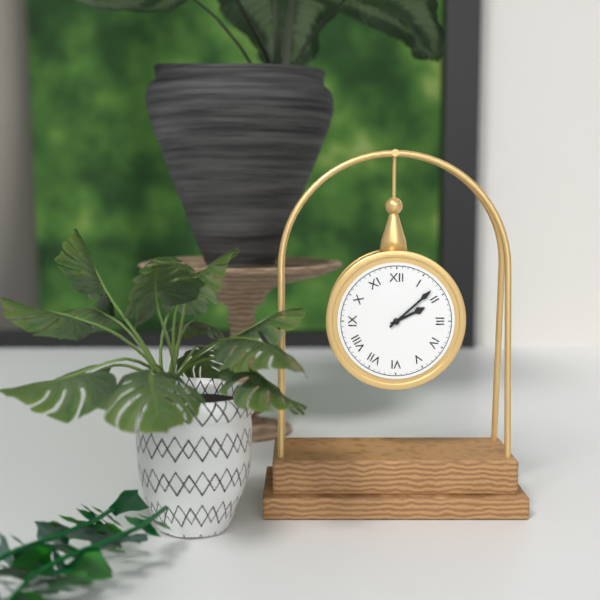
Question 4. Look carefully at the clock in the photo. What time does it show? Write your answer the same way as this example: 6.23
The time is 2.08
